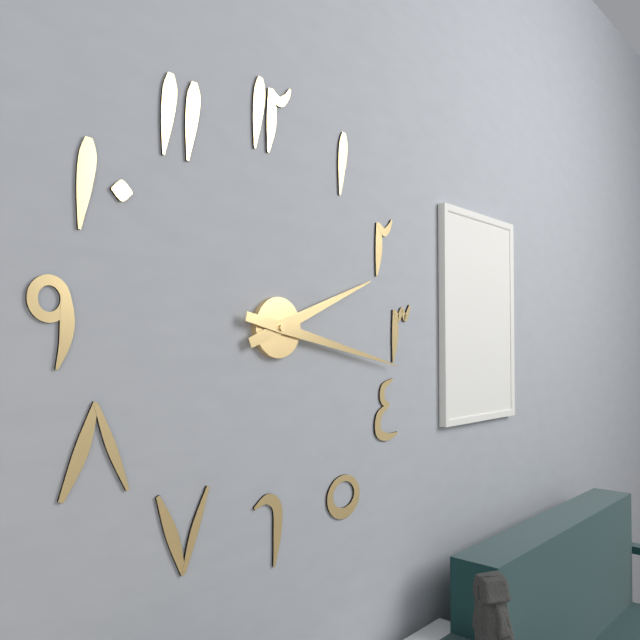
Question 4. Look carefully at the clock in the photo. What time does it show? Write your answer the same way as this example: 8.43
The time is 2.17
